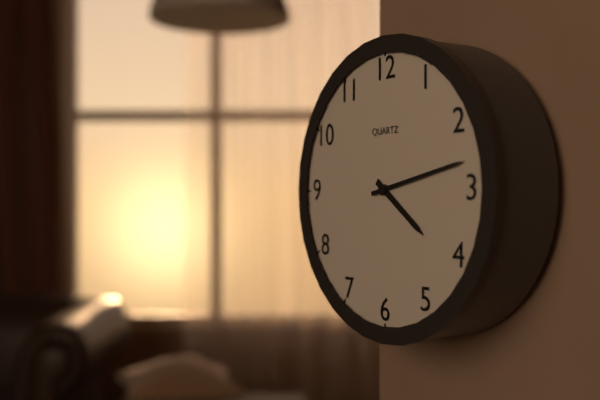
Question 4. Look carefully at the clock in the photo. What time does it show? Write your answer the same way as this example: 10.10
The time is 4.13
